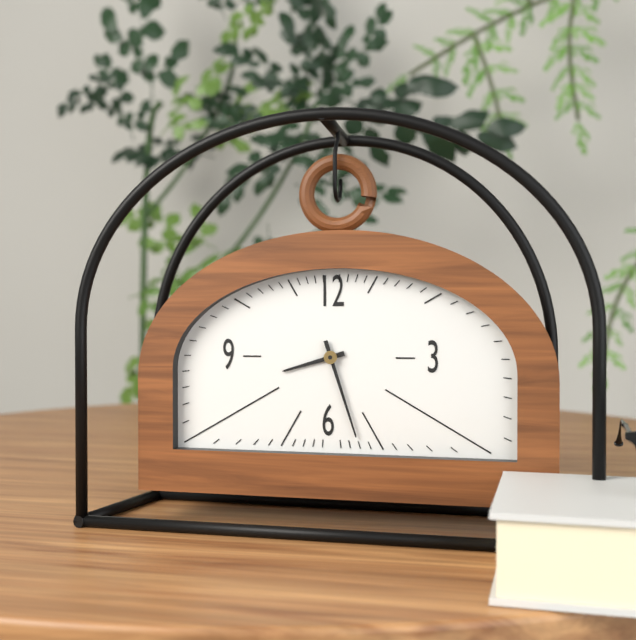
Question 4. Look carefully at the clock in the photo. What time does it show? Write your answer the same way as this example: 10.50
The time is 8.27
